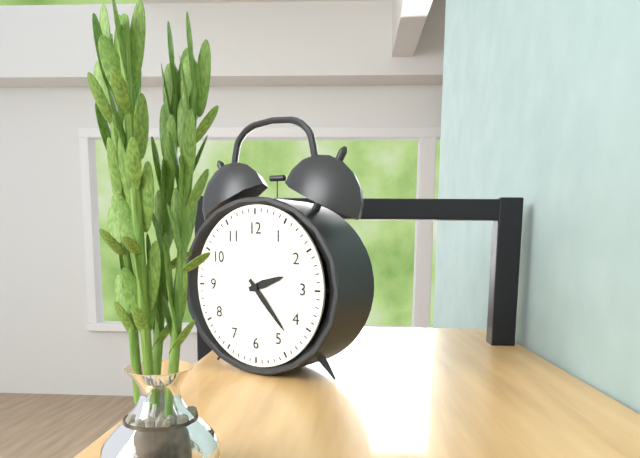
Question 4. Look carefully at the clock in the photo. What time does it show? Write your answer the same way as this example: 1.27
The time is 2.23
